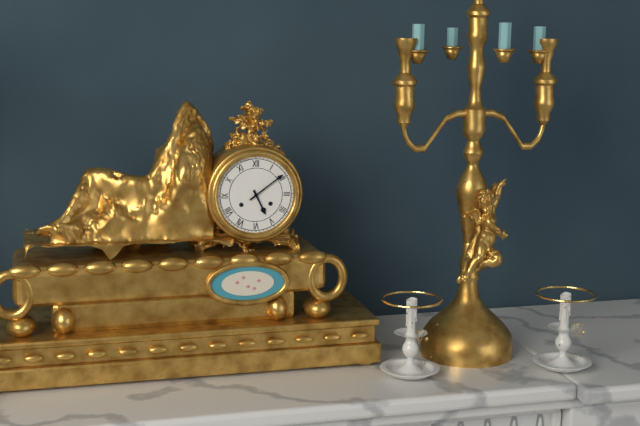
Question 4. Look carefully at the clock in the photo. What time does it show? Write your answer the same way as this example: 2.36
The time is 5.09
